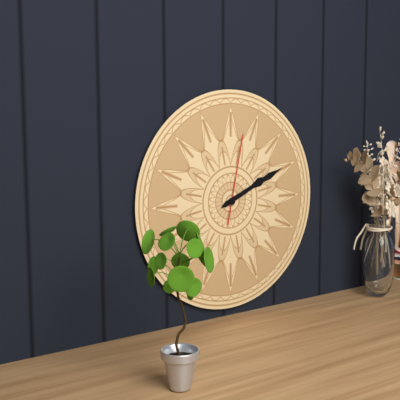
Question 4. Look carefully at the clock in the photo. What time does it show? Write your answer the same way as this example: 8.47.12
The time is 2.11.02
